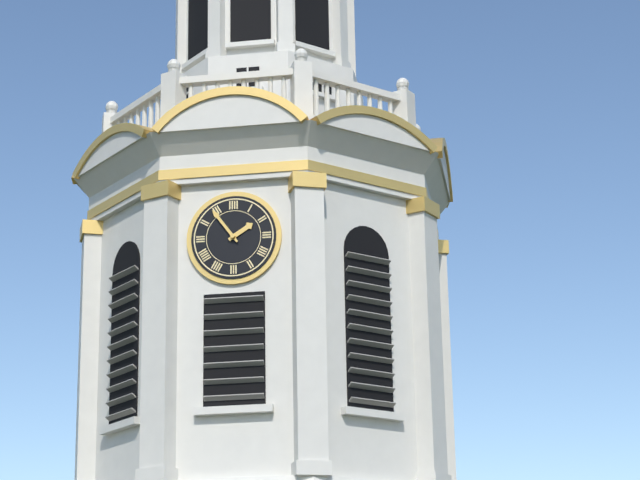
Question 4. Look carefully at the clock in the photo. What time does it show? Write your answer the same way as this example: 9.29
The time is 1.54
